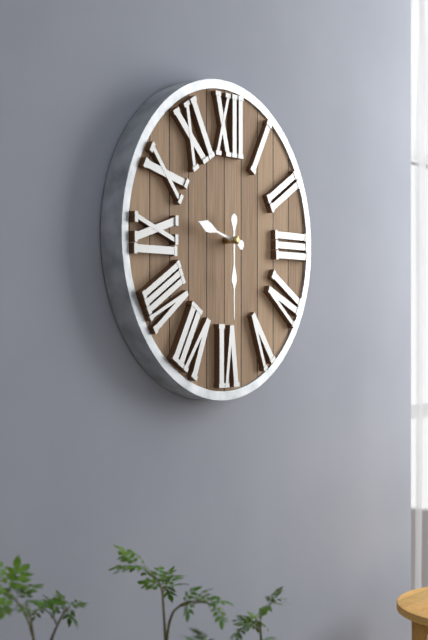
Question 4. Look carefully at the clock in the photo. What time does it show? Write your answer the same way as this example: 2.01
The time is 9.30
